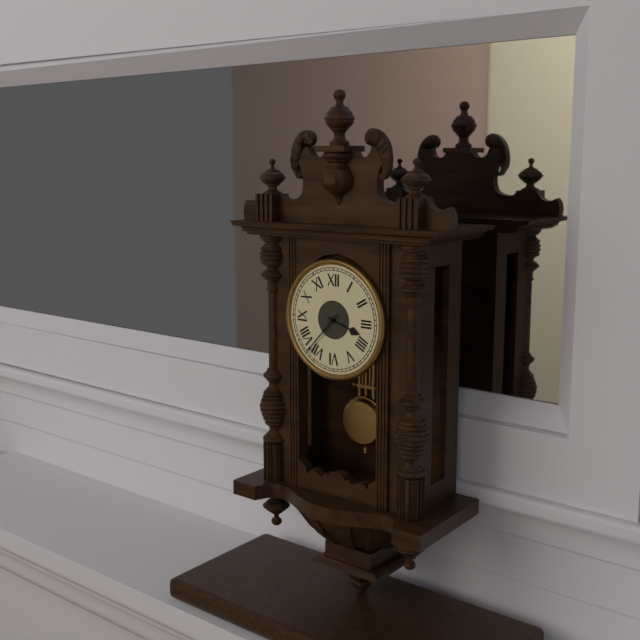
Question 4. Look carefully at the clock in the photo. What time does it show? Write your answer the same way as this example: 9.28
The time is 3.37
